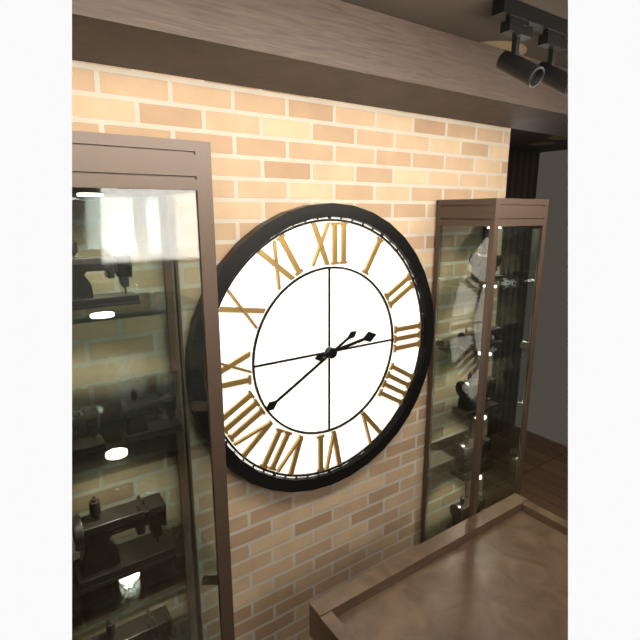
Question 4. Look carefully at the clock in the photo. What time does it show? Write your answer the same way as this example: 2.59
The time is 2.40
